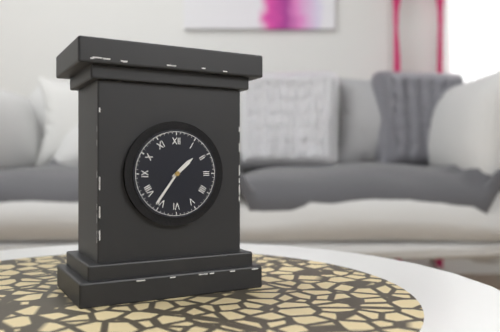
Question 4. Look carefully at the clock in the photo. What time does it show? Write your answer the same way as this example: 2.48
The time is 1.36
